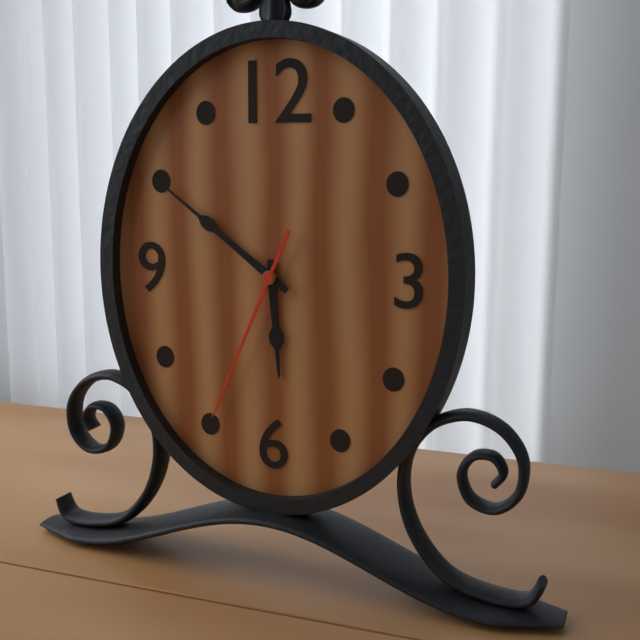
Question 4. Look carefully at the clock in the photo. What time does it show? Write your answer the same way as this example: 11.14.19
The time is 5.51.34
